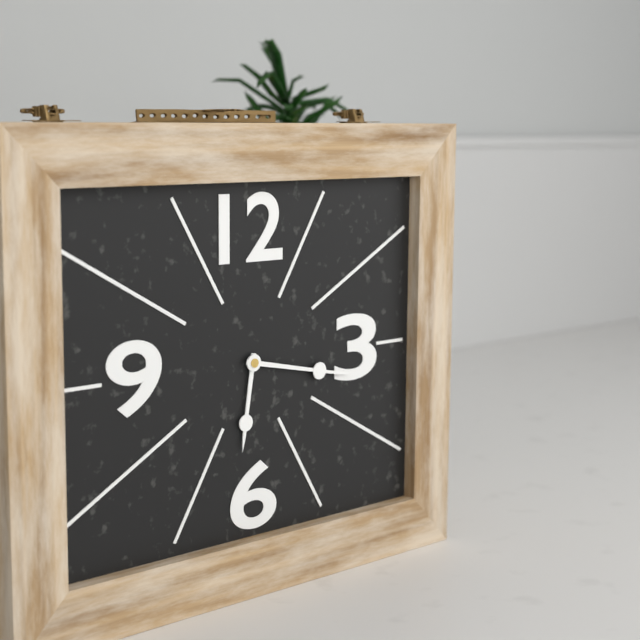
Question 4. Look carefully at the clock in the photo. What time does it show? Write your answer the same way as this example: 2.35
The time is 6.17
